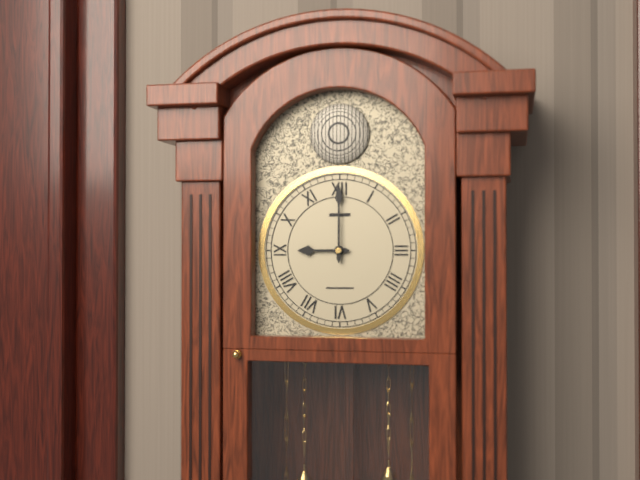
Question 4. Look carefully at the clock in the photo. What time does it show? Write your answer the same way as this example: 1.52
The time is 9.00
